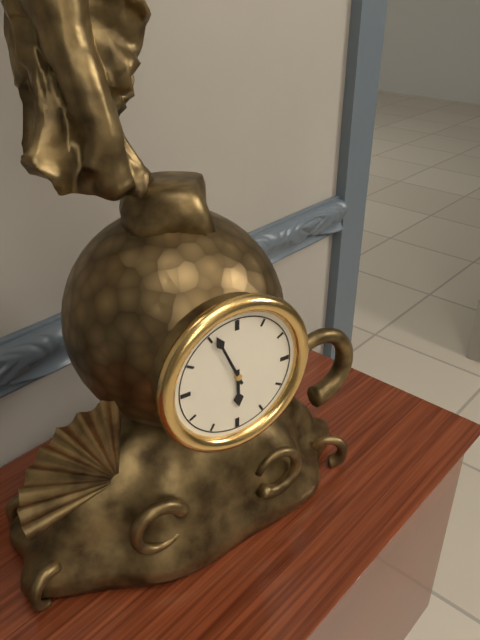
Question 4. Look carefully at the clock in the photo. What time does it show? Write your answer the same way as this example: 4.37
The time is 5.56
